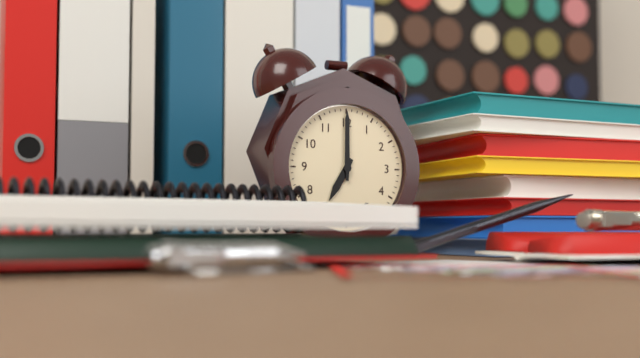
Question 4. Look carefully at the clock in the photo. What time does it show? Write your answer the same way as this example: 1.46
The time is 7.00
